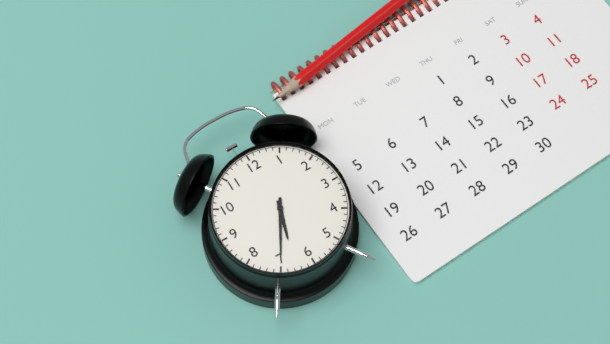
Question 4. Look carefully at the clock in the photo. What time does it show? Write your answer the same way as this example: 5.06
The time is 6.35
